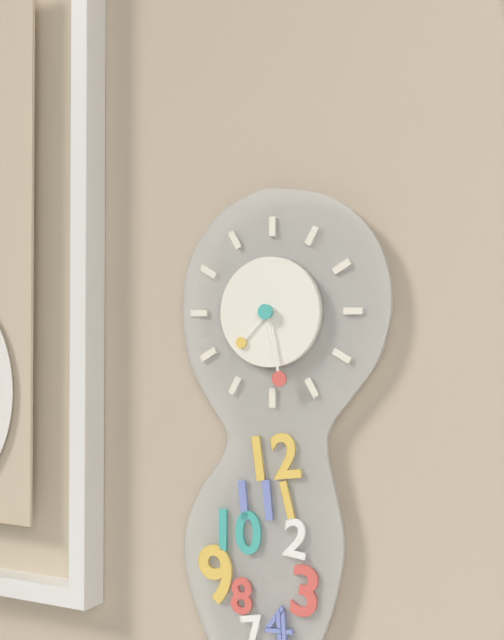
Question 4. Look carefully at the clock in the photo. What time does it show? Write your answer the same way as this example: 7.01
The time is 7.28
